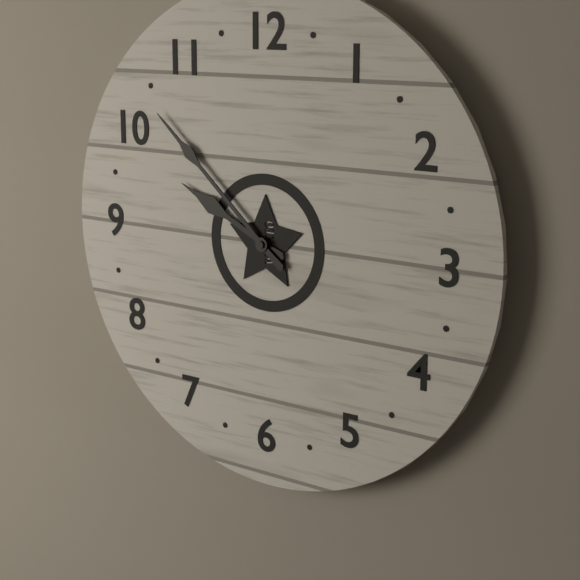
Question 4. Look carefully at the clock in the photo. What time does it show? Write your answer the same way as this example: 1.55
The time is 9.52
